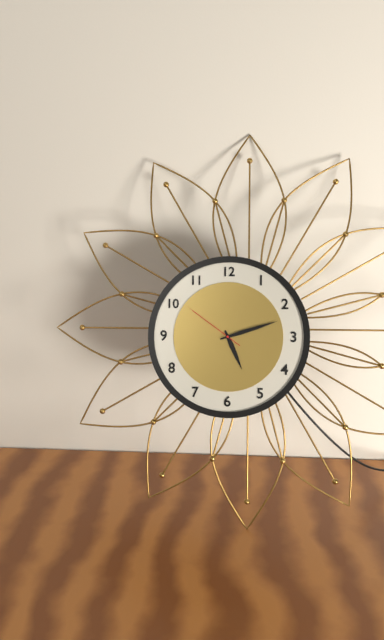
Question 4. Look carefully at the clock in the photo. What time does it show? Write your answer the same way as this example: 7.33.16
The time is 5.12.51
